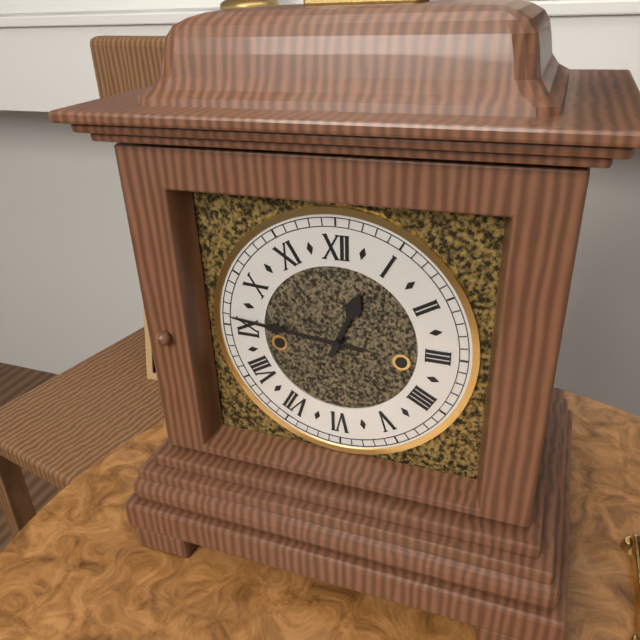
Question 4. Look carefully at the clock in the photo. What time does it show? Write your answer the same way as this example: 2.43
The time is 12.46
